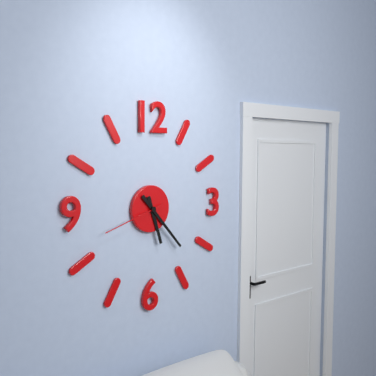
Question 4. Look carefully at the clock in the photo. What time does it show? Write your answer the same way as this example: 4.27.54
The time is 5.23.42
